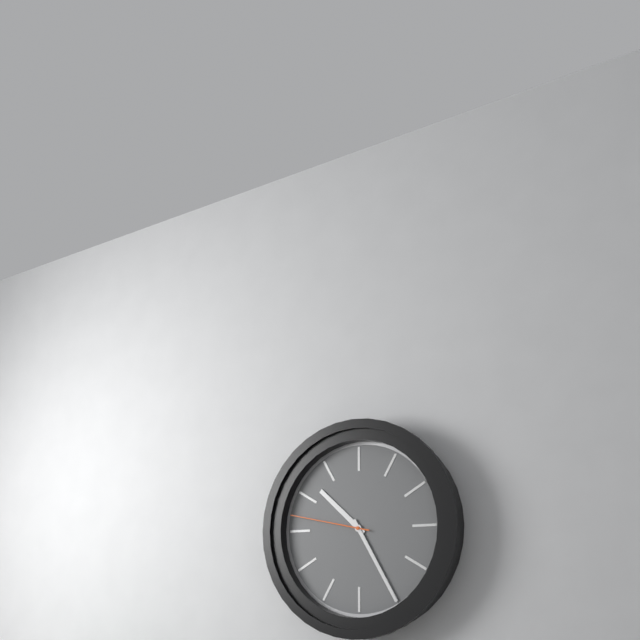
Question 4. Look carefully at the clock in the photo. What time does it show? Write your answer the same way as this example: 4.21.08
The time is 10.25.47
